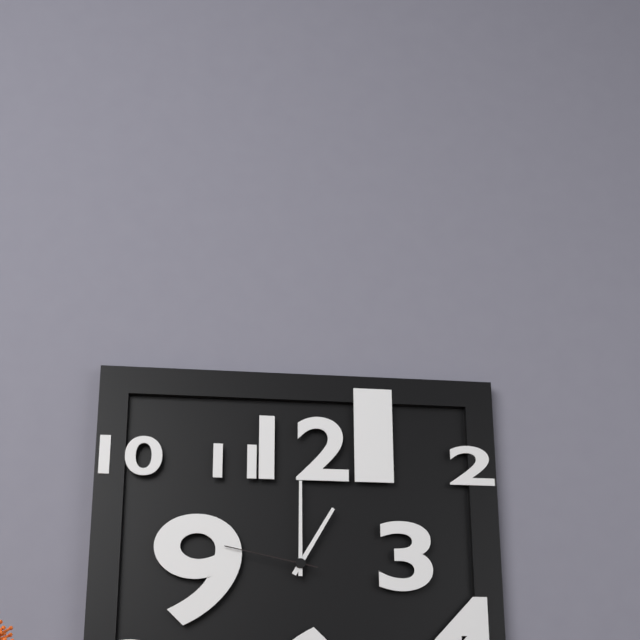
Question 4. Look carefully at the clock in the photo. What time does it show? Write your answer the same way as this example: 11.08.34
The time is 1.00.47
